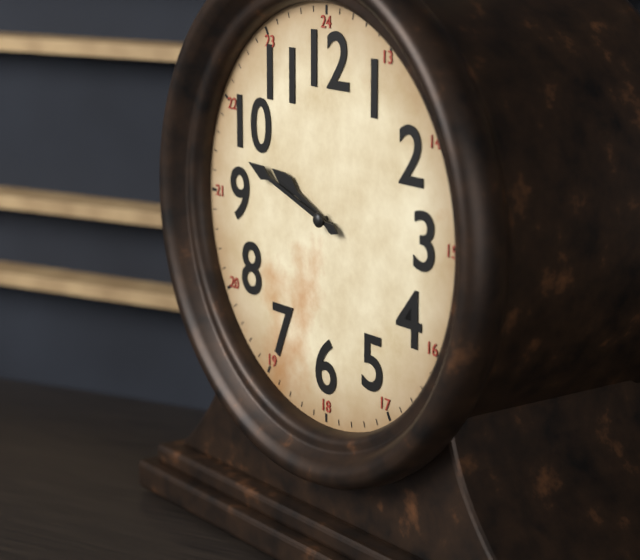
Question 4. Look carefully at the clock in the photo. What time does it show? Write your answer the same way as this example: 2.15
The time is 9.48
